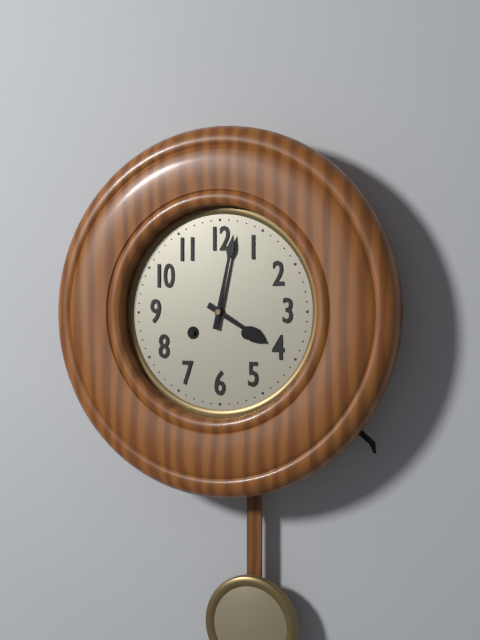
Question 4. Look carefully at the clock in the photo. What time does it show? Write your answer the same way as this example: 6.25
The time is 4.02
